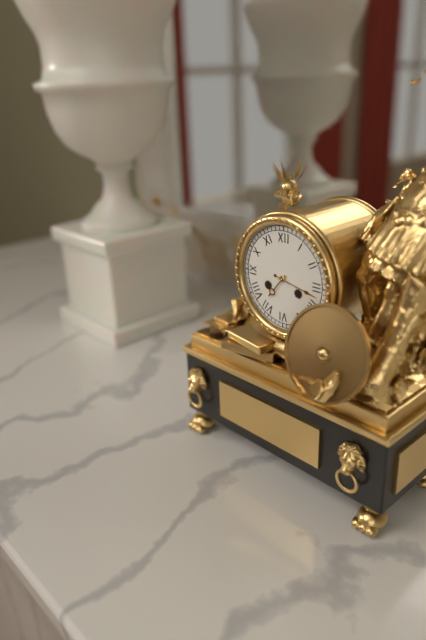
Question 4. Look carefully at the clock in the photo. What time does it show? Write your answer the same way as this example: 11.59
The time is 7.17
